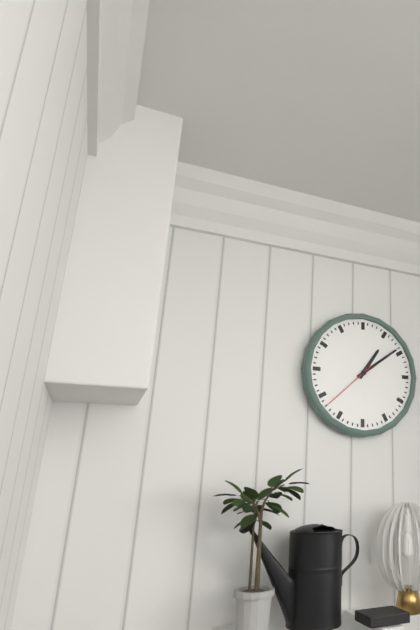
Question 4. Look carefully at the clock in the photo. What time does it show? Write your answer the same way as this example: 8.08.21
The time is 1.09.38
